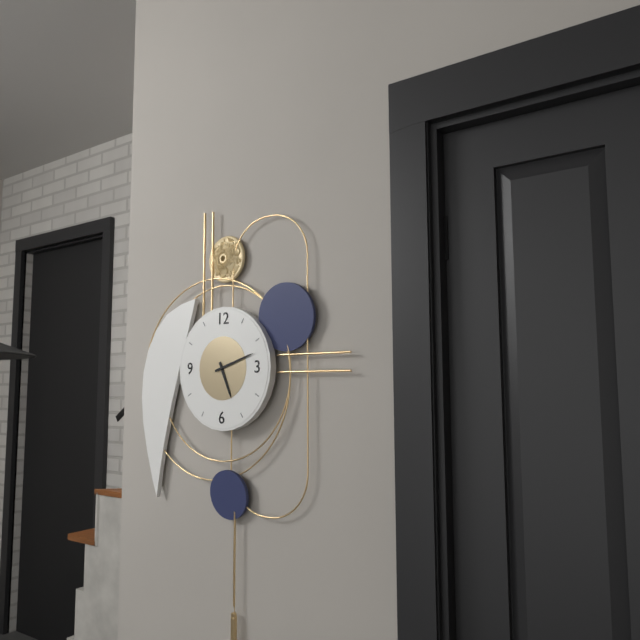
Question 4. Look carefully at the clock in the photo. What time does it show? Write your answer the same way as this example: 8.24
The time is 5.12
